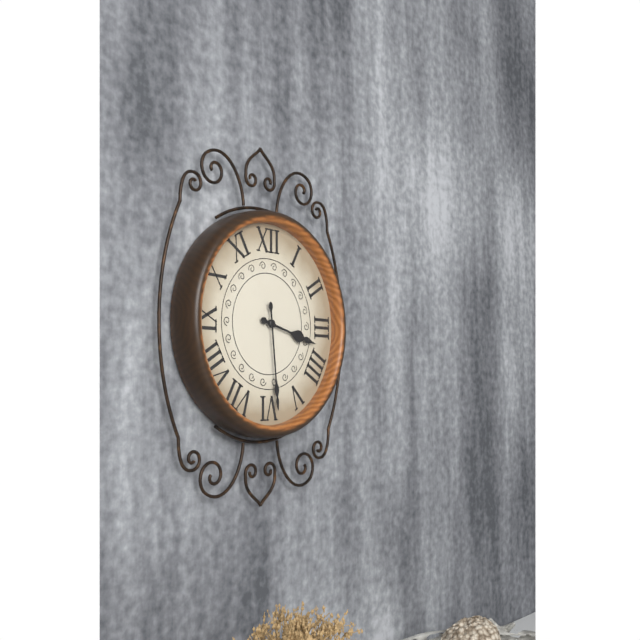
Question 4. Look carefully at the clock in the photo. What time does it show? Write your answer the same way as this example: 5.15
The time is 3.29
